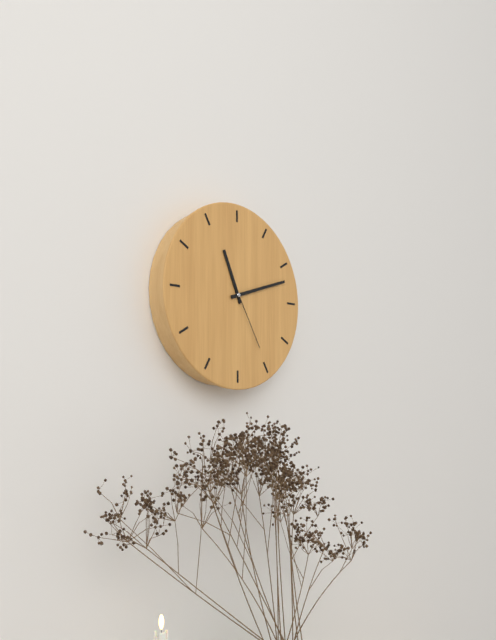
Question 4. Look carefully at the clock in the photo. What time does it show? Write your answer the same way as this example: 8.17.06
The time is 11.12.25
